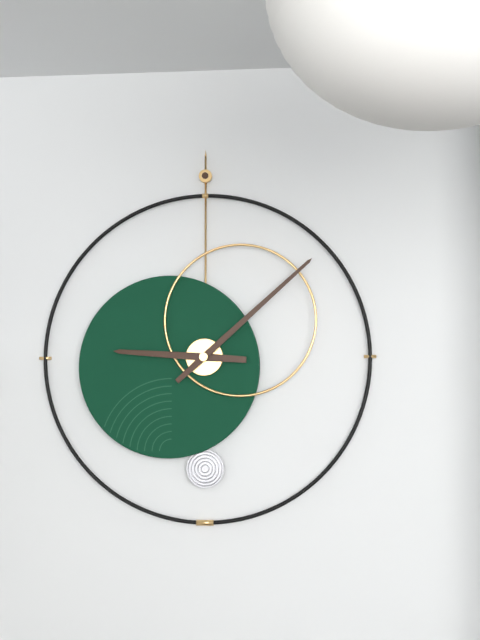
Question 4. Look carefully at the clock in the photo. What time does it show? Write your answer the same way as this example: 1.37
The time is 9.08
